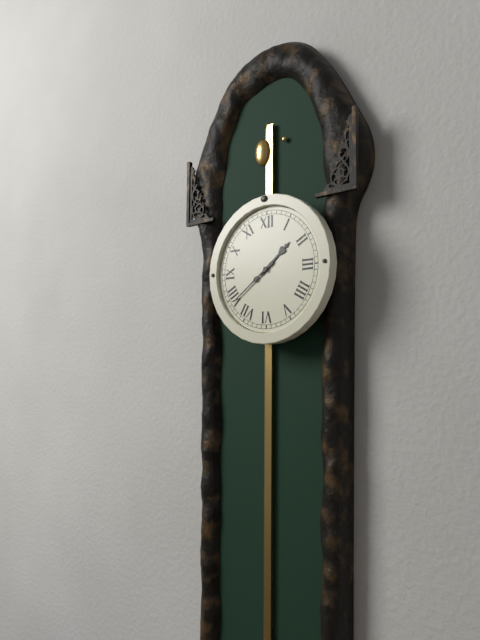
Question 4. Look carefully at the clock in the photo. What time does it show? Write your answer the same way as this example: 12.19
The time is 1.39
